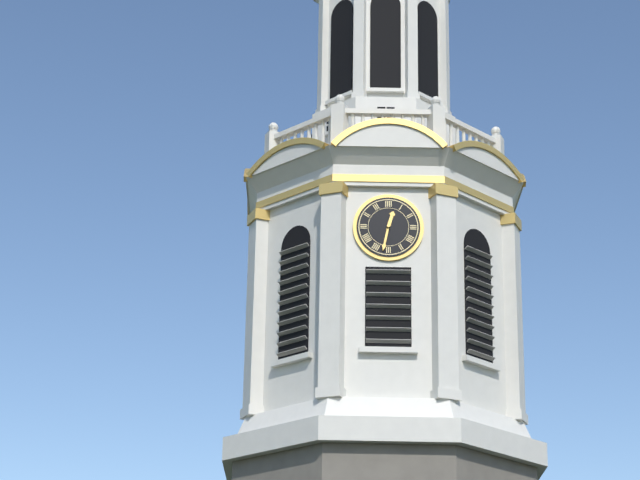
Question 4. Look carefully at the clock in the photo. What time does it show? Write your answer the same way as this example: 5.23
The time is 12.32
